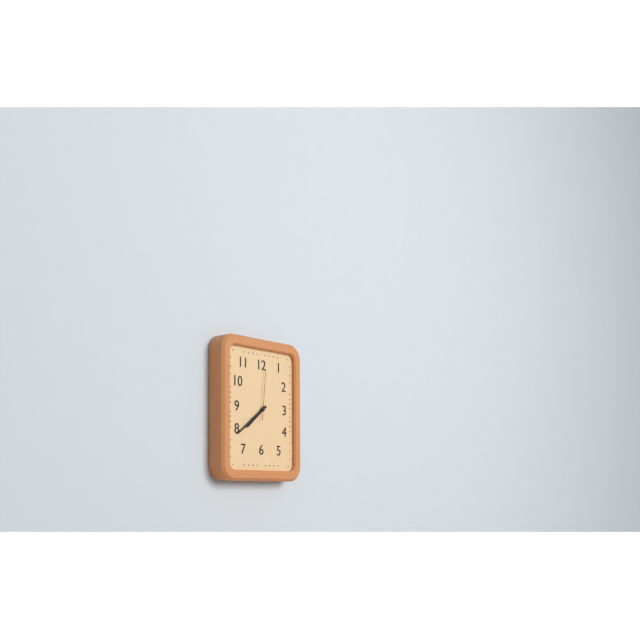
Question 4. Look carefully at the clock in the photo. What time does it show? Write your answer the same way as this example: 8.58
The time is 7.39
